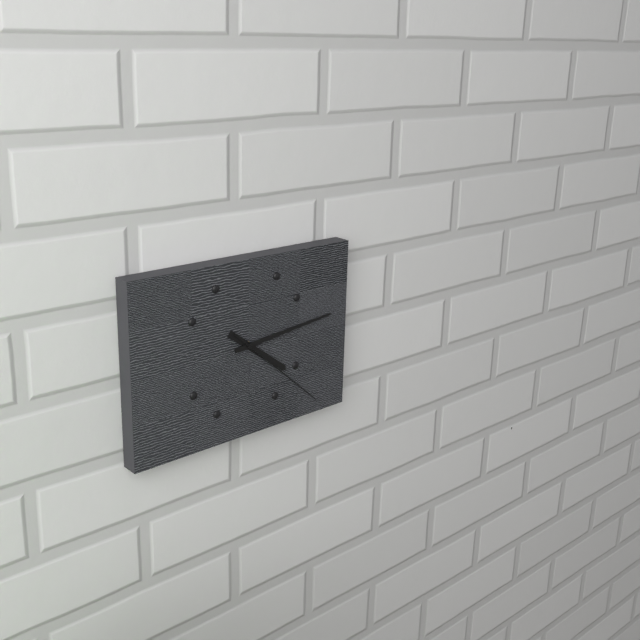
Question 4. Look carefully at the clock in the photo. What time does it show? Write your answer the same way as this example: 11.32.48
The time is 4.14.22
